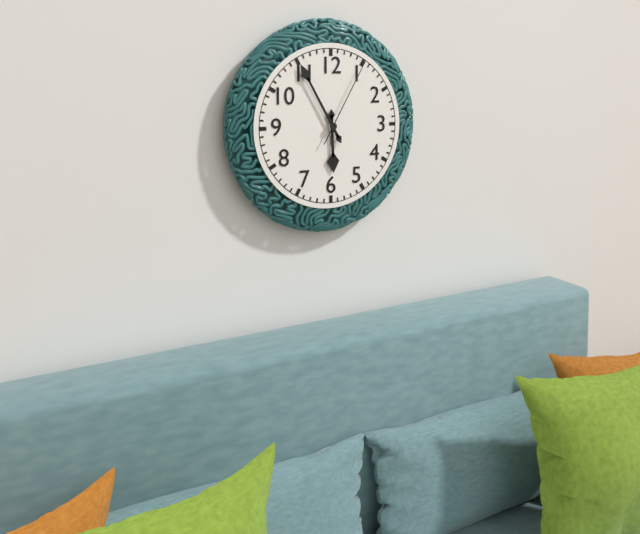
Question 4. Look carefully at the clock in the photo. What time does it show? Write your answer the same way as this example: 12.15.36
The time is 5.55.05
